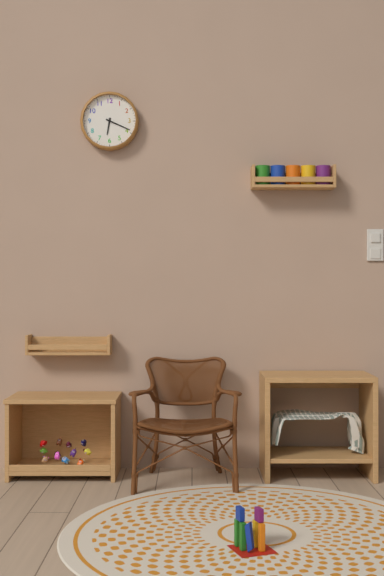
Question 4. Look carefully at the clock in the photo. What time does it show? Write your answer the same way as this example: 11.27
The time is 6.19
